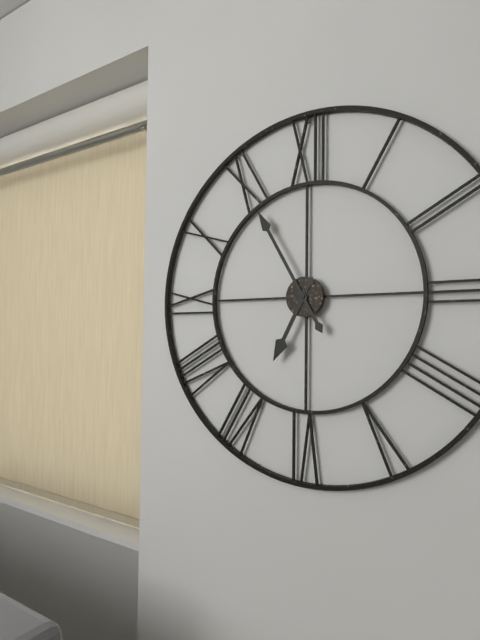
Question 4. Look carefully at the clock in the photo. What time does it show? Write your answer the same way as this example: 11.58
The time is 6.55
